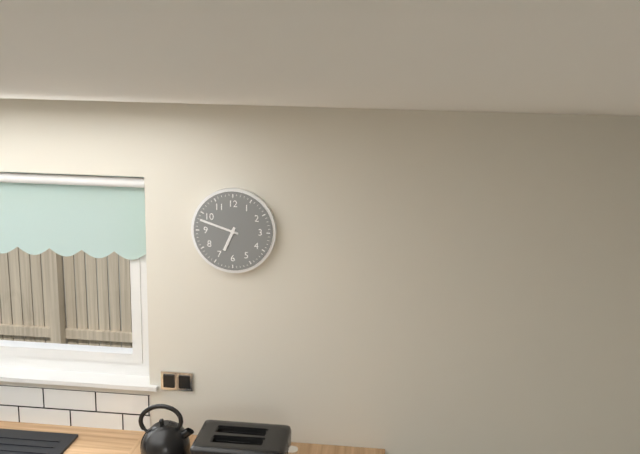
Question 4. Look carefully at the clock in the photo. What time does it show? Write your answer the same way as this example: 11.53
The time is 6.48
